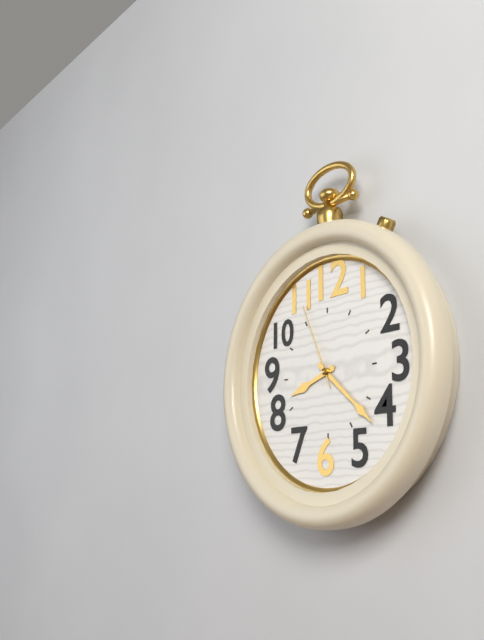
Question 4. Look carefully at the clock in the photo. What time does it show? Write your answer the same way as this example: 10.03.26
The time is 8.22.56
